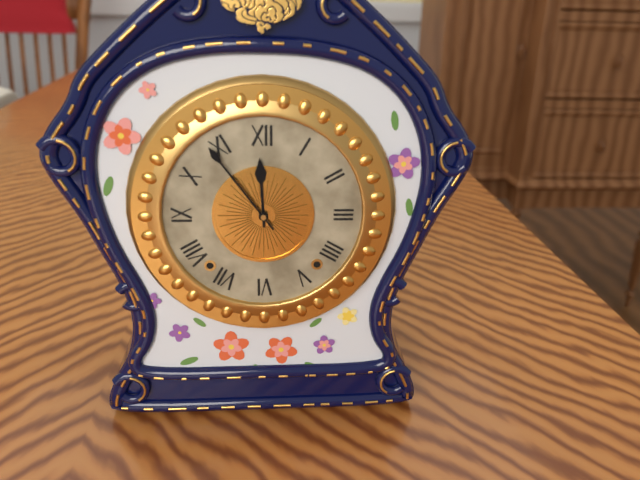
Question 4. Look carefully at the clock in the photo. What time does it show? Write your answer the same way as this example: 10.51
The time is 11.54
